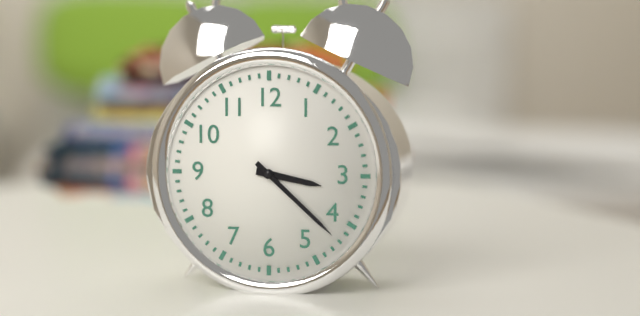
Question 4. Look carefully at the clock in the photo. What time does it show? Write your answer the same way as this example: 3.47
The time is 3.22
